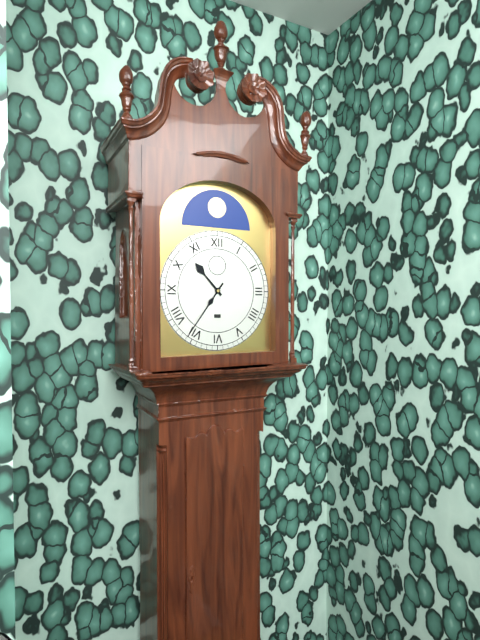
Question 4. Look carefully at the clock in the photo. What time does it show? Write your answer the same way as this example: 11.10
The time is 10.36
